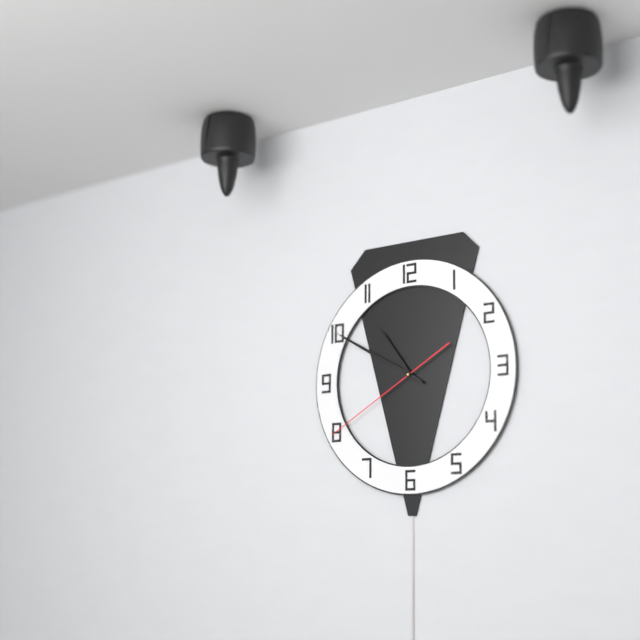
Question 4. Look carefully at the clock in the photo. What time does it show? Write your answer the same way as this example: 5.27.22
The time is 10.50.40
